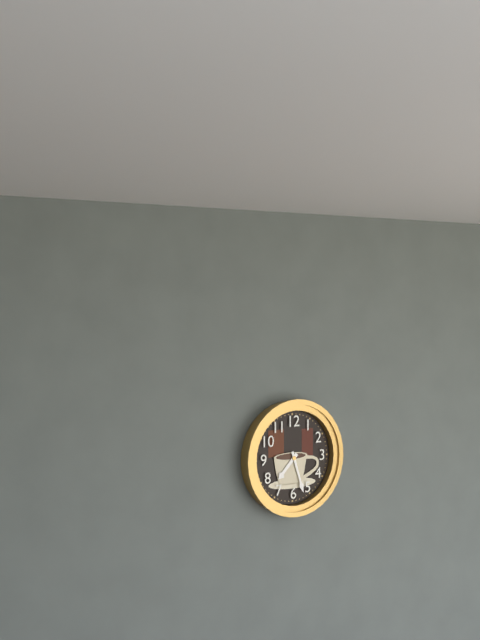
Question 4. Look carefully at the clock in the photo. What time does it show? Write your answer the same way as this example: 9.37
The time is 7.27
